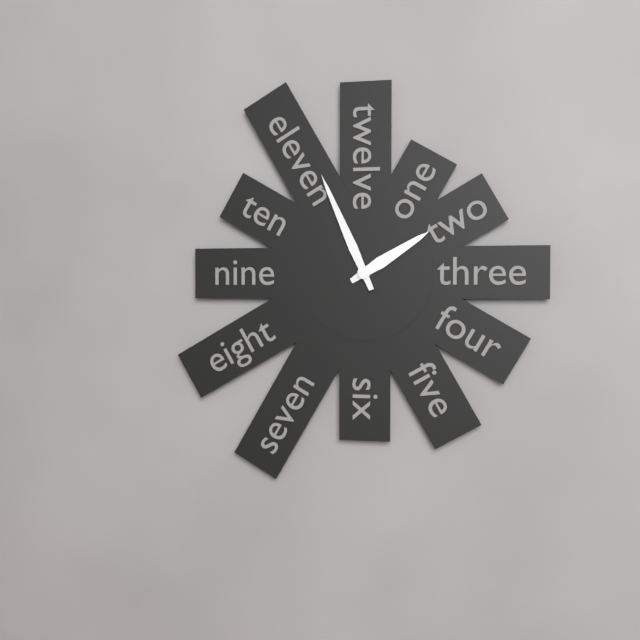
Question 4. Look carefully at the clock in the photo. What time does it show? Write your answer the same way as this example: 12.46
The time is 1.56
